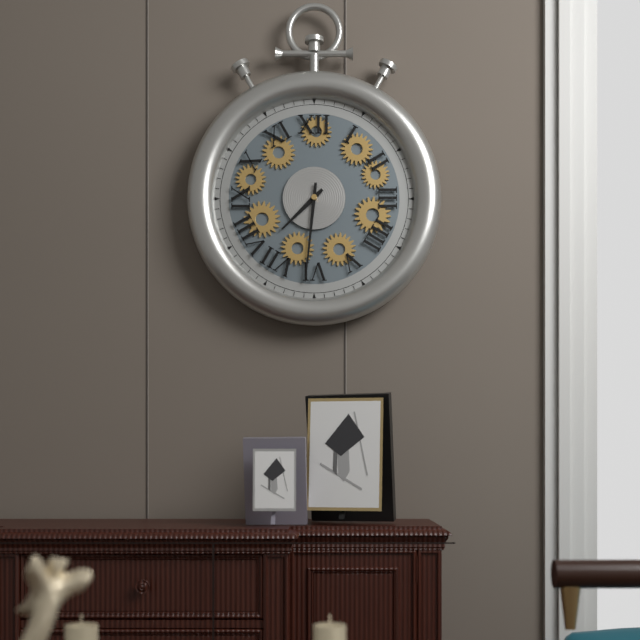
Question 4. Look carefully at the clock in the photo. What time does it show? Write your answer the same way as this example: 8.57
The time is 7.31
